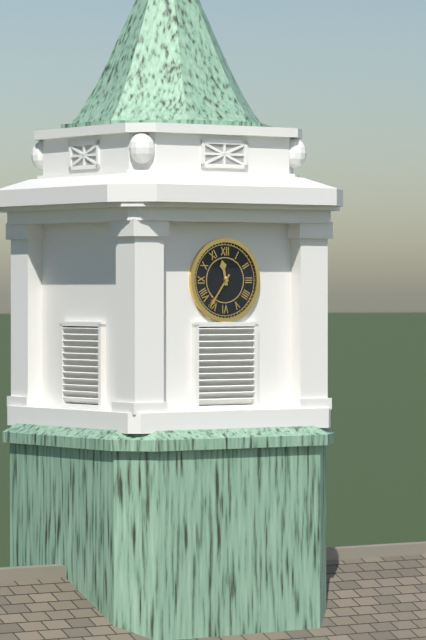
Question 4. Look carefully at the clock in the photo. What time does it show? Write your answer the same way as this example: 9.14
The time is 11.36
